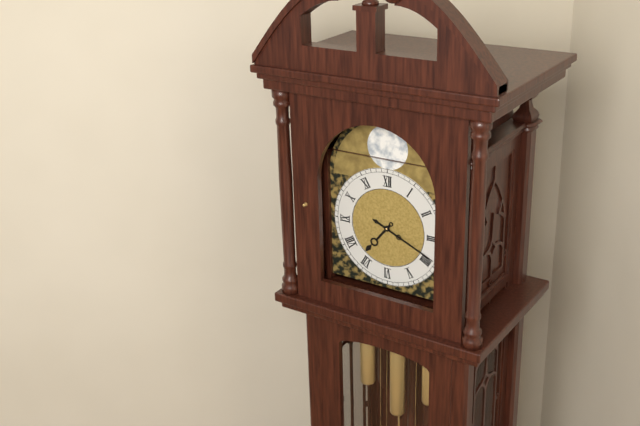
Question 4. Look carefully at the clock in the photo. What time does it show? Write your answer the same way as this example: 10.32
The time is 7.19
